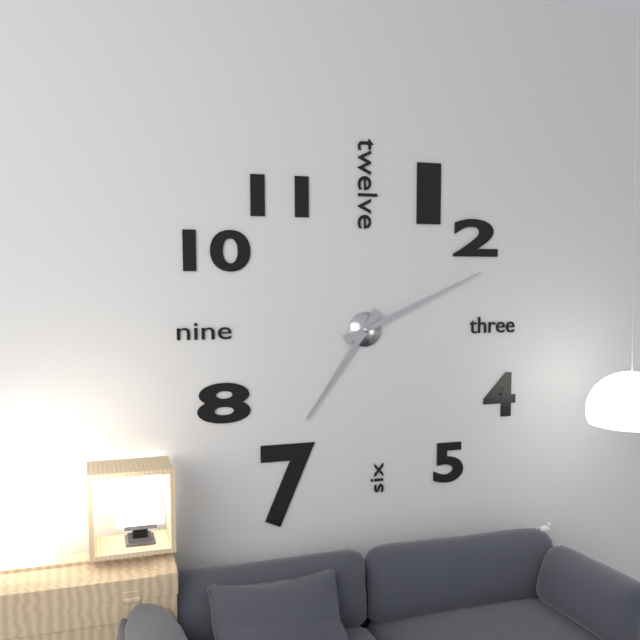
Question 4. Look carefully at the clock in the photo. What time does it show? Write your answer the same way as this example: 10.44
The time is 7.11
